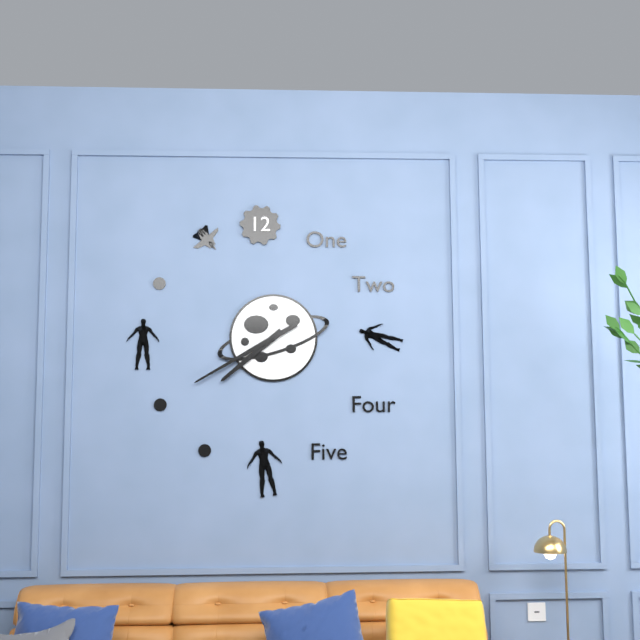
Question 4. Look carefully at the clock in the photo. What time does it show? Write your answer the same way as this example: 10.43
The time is 7.40
